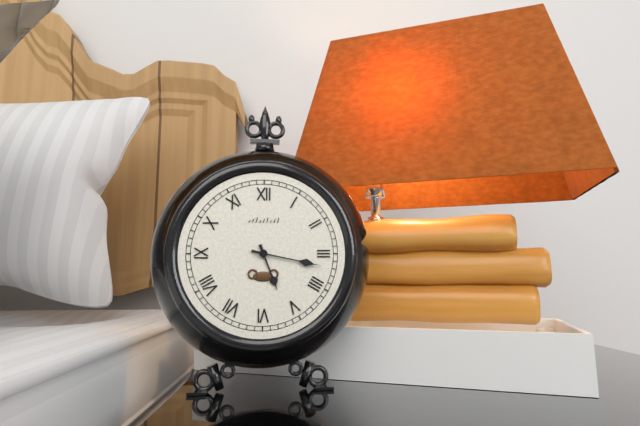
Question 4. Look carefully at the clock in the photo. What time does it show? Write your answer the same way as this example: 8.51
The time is 5.17
